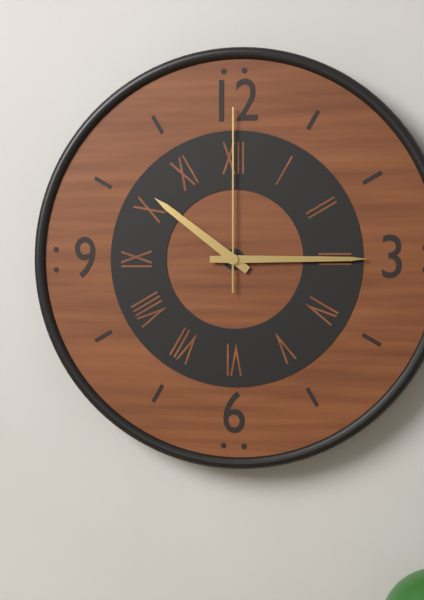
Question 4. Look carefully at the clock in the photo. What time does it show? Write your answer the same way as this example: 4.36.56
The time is 10.15.00
